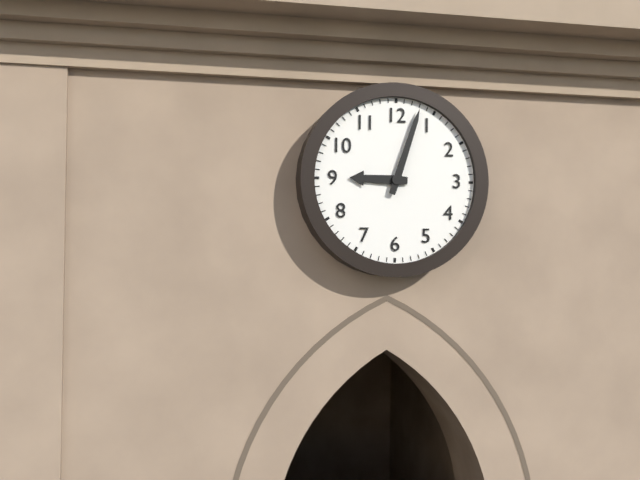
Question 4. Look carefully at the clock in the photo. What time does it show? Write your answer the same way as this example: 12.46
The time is 9.03
